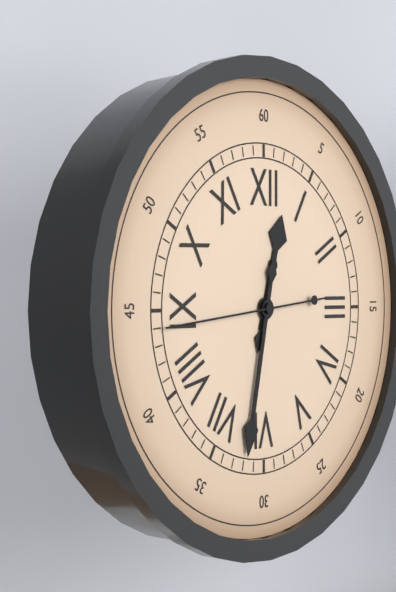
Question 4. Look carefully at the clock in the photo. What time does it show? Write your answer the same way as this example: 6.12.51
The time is 12.32.44
